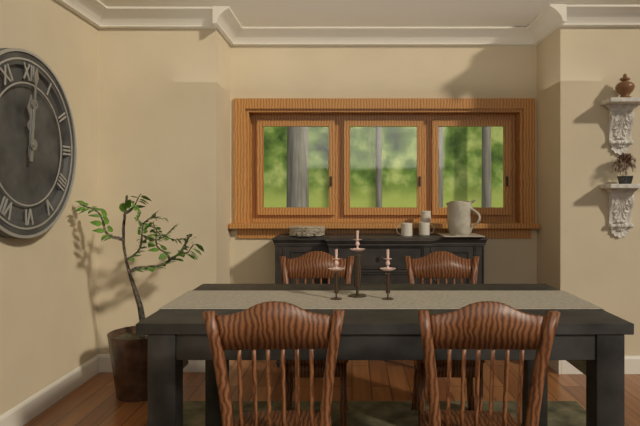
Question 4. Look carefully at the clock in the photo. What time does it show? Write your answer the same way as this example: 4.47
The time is 12.01
